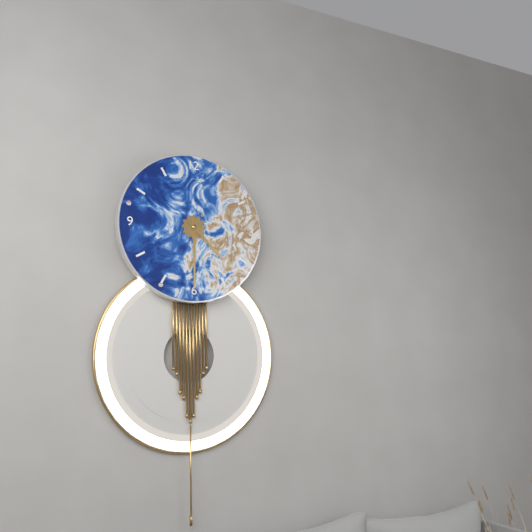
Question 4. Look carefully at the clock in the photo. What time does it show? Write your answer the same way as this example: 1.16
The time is 4.30
